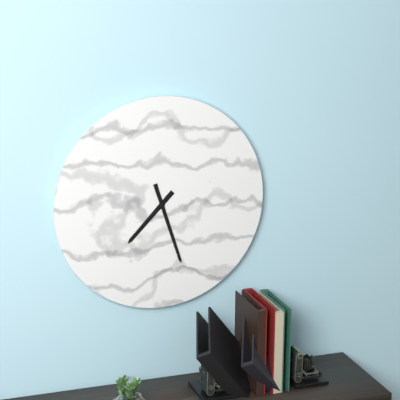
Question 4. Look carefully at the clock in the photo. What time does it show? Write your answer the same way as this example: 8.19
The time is 7.27
